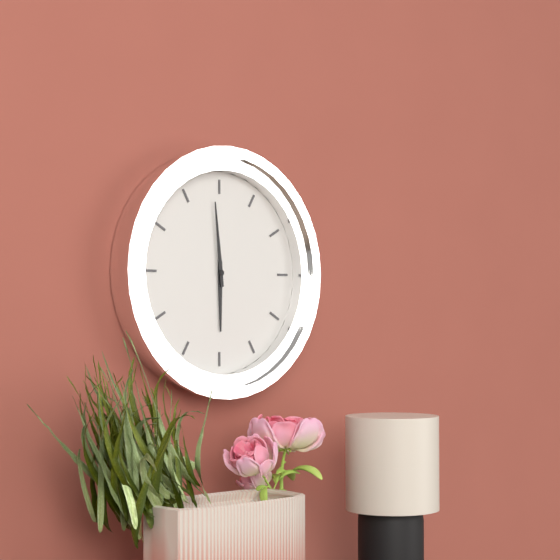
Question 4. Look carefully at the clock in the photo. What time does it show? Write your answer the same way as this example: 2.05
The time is 5.59
